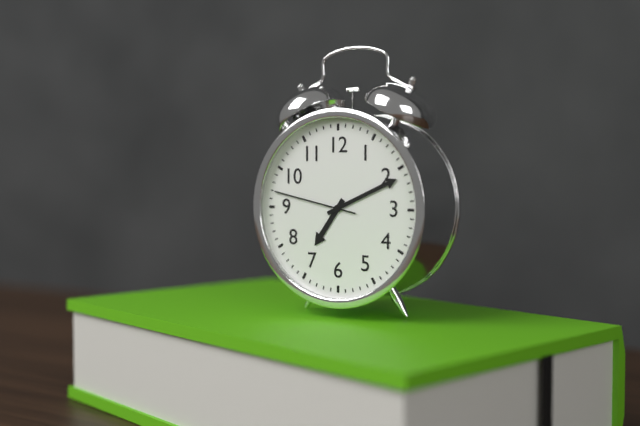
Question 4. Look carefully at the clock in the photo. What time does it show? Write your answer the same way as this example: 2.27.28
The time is 7.11.47
